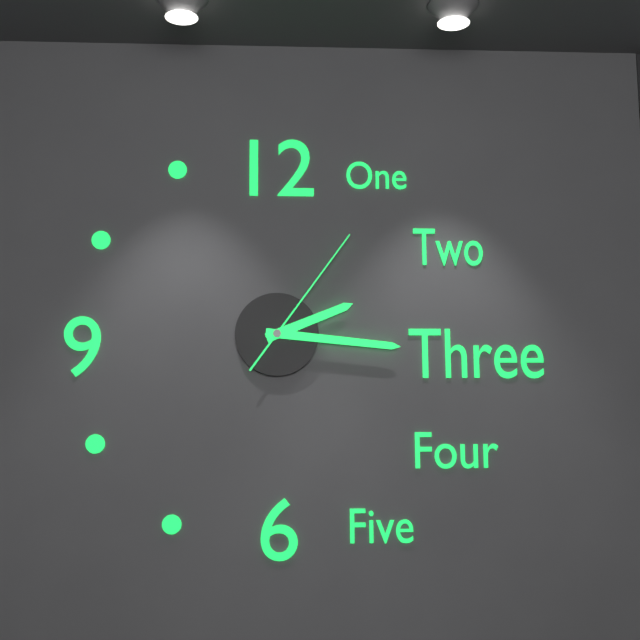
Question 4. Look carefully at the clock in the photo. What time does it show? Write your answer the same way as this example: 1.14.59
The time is 2.16.06
